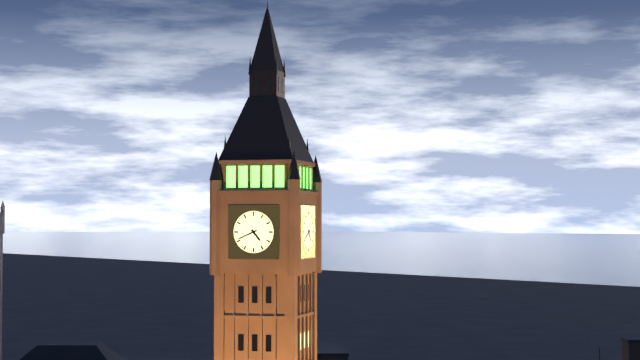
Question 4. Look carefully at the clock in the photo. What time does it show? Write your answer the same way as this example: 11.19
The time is 4.41
